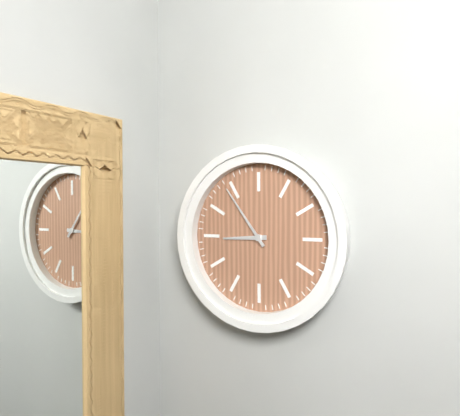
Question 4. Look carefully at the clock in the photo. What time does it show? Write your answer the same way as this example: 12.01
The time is 8.54
